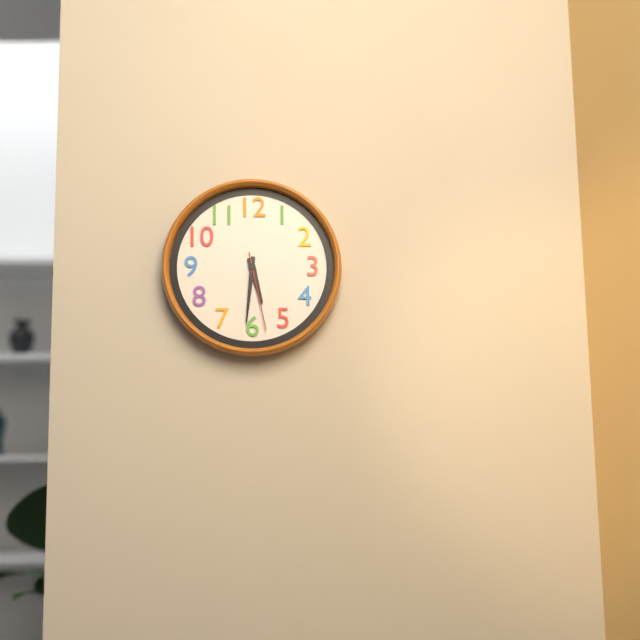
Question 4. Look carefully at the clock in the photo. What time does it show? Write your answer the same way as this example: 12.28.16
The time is 5.31.28
